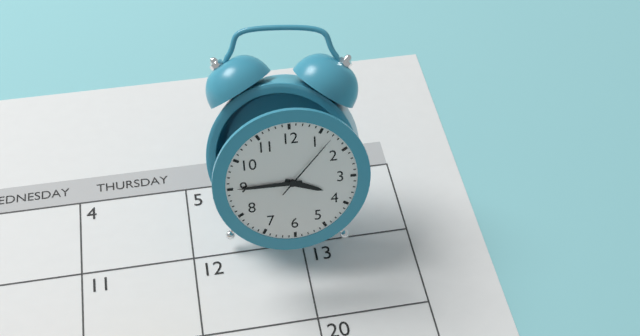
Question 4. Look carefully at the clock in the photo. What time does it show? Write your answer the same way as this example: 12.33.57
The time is 3.45.07
